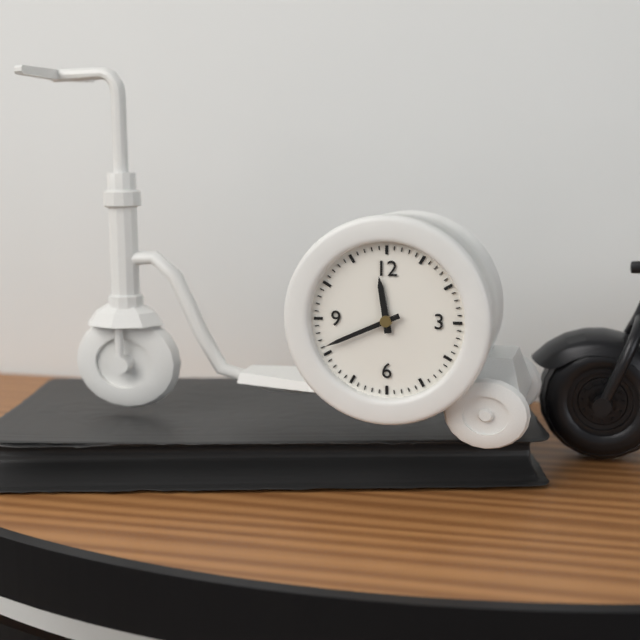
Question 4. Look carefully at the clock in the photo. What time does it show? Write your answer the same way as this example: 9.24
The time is 11.41
